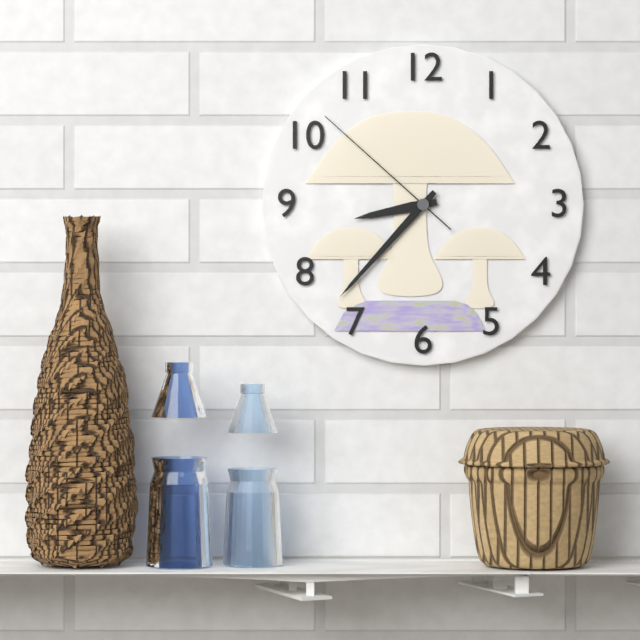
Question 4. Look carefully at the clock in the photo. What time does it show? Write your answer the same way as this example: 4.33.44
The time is 8.37.52
